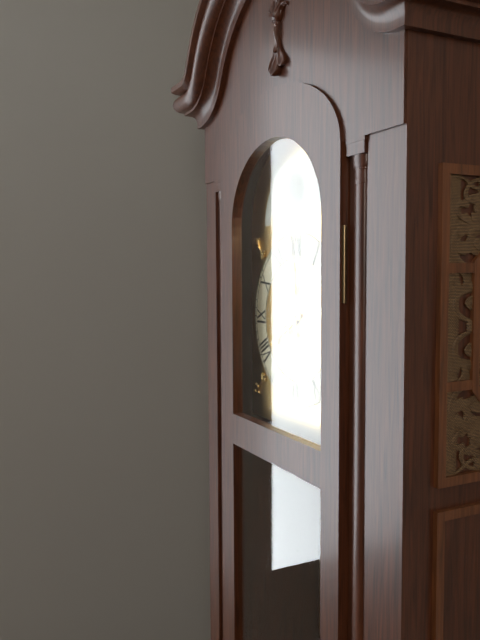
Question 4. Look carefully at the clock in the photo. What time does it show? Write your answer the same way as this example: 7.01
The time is 7.59
